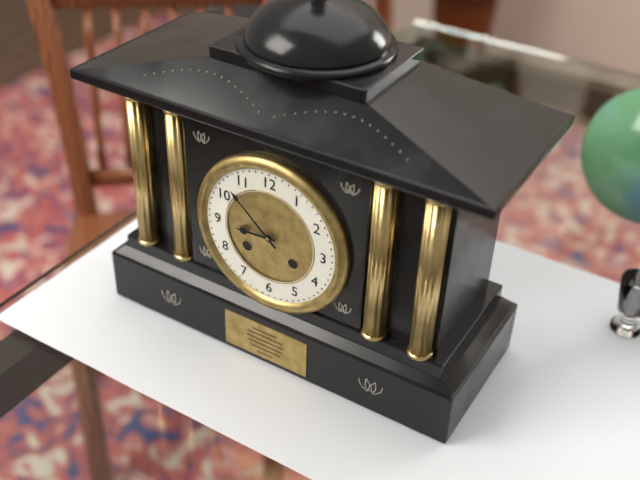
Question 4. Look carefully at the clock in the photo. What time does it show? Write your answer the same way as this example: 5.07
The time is 8.52
